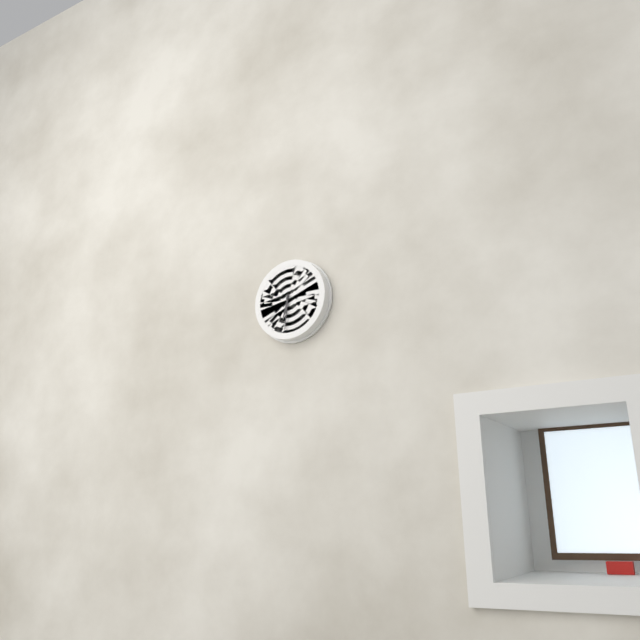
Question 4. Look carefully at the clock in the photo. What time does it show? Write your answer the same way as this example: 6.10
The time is 6.31
